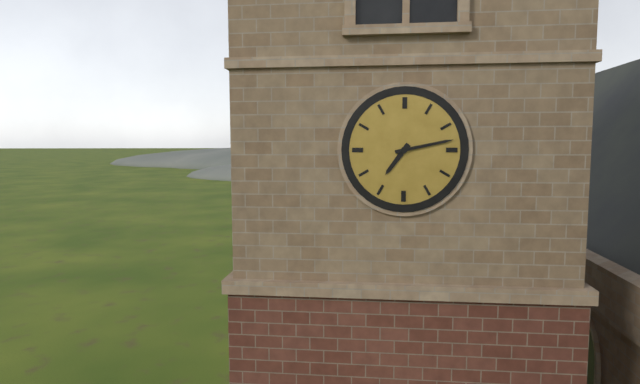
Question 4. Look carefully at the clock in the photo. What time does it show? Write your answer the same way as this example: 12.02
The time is 7.13
